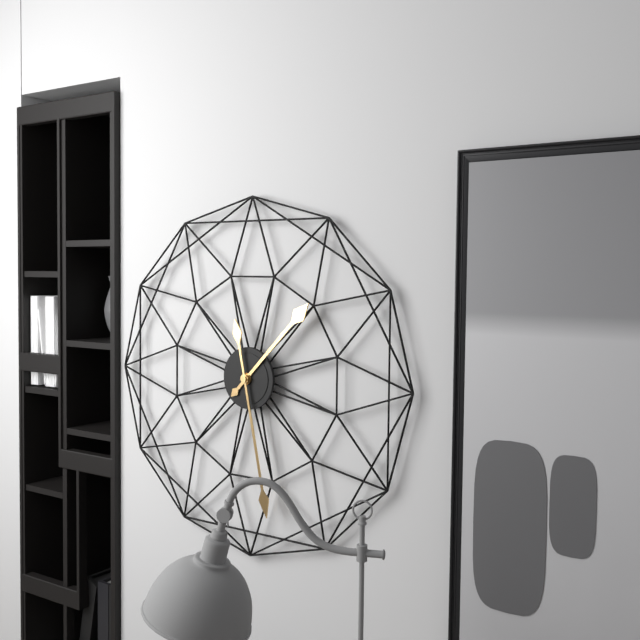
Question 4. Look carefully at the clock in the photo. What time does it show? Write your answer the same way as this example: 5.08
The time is 1.28
